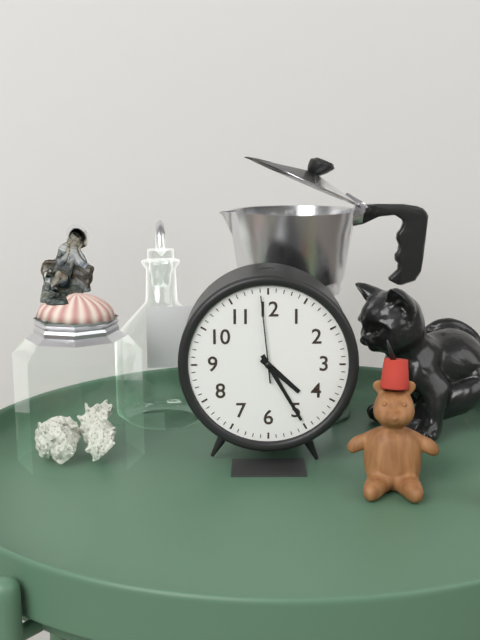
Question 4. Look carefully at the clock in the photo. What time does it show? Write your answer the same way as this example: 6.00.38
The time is 4.25.59
